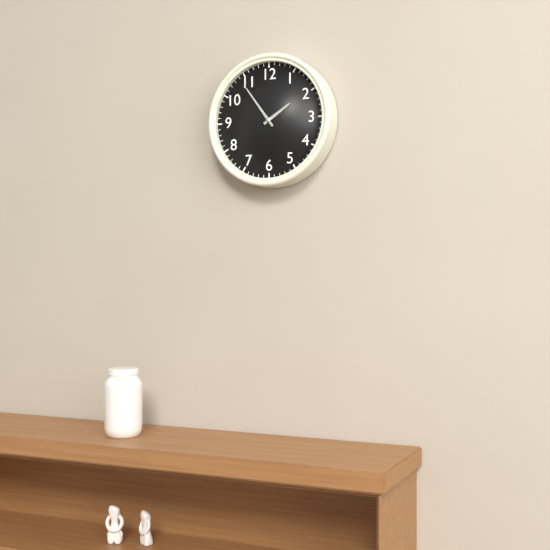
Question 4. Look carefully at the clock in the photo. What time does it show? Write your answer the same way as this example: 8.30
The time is 1.54
